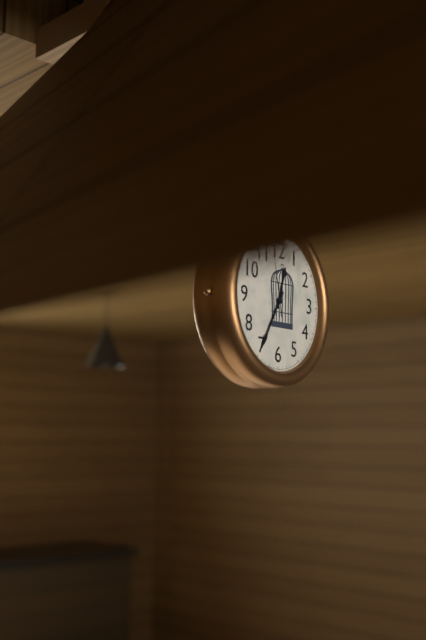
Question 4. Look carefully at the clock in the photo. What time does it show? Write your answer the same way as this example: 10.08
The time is 12.35
